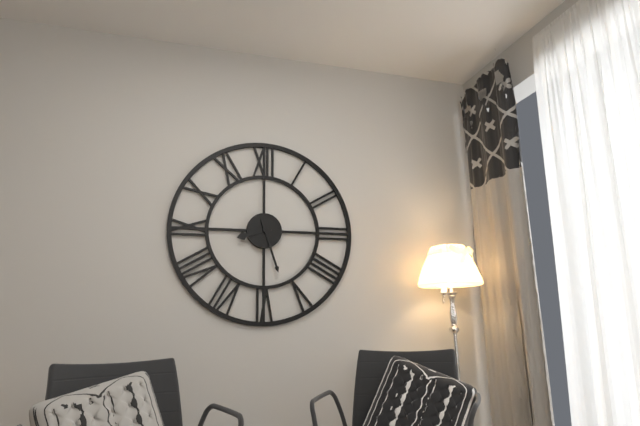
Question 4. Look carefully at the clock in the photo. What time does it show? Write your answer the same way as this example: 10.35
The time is 8.27
